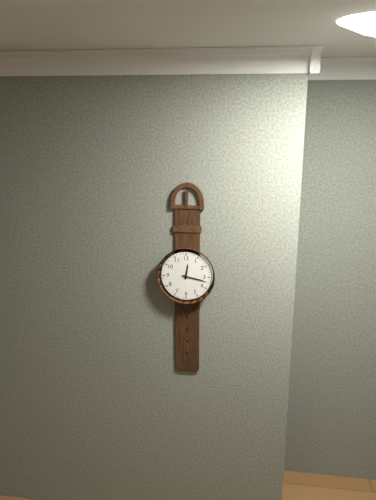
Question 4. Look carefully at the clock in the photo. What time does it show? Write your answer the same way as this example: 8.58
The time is 12.17
